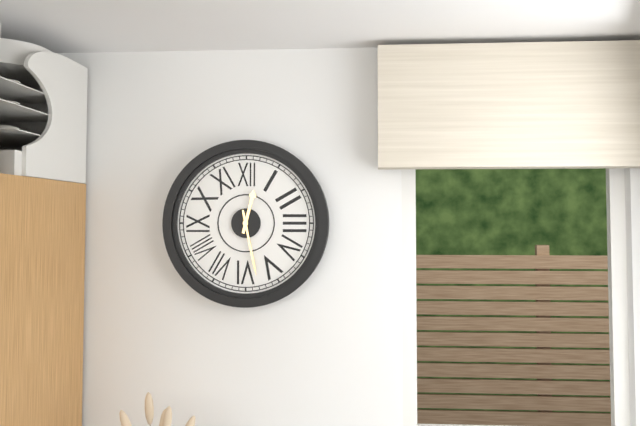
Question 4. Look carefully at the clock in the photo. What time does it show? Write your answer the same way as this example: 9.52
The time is 12.28
